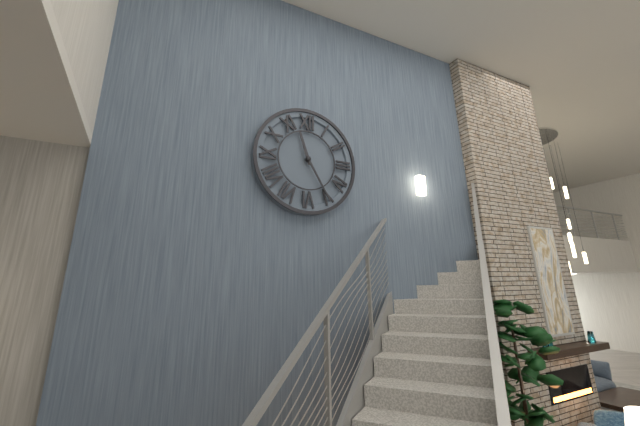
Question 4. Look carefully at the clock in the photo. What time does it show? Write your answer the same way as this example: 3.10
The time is 11.25
